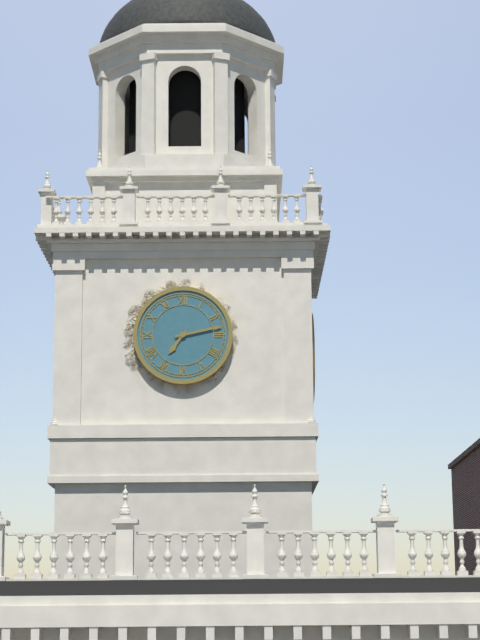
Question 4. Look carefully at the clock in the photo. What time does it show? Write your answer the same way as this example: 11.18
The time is 7.13
